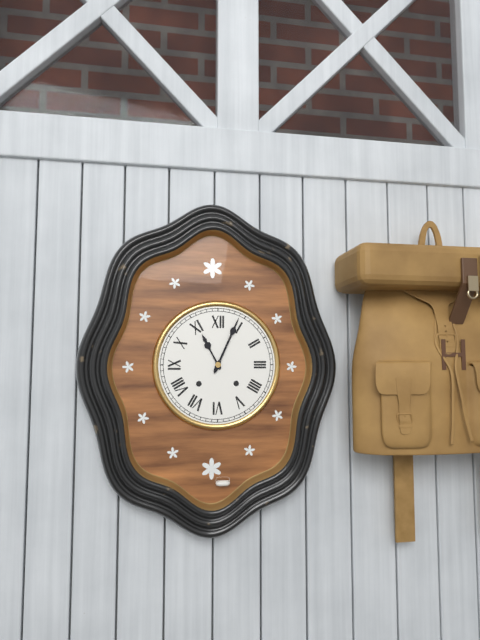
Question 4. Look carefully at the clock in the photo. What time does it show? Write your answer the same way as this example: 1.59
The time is 11.04
